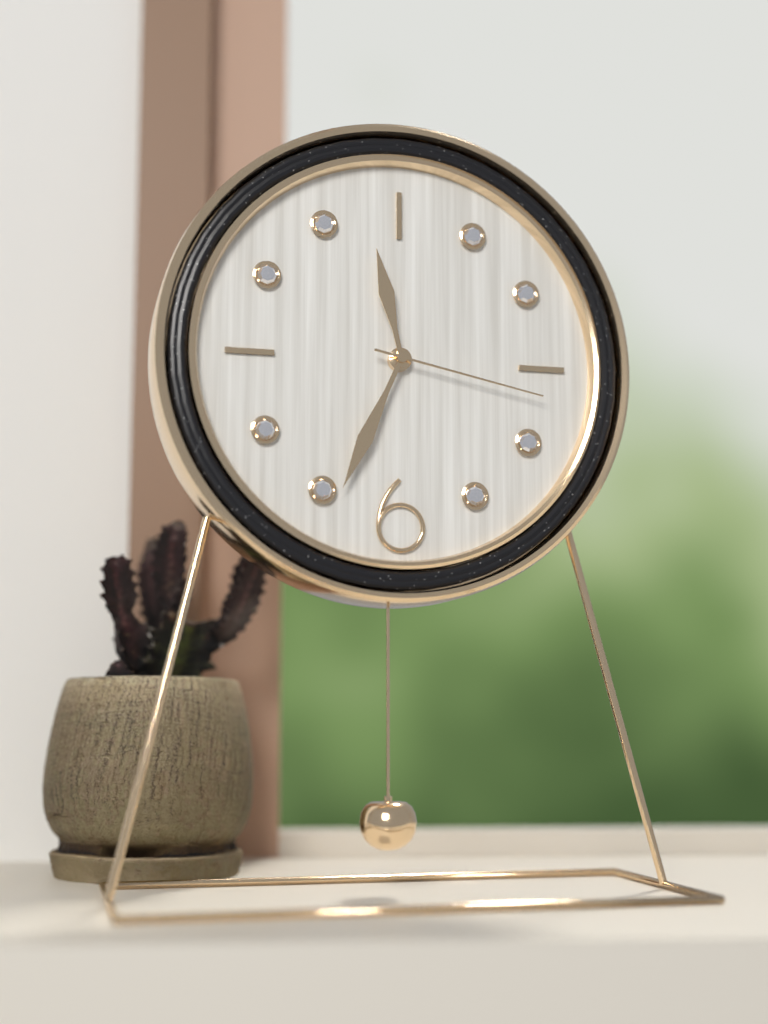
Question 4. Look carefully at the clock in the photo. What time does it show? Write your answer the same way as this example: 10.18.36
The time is 11.34.17
